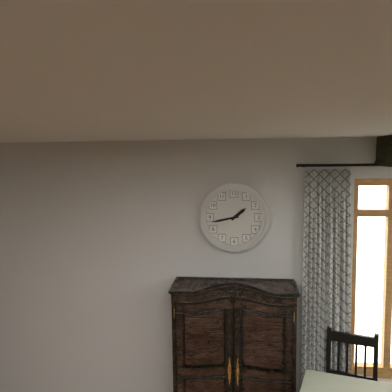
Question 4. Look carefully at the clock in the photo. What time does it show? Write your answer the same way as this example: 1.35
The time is 1.43
